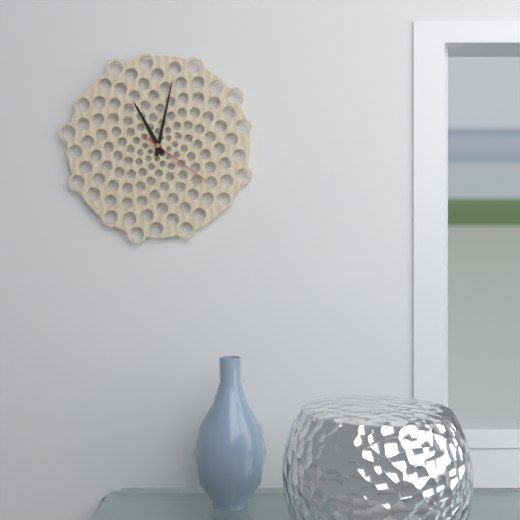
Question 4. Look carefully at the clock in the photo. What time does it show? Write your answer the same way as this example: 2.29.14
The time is 11.02.21
